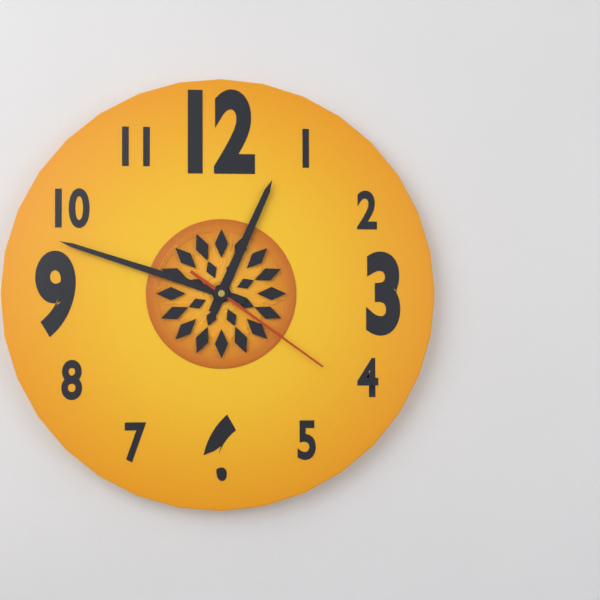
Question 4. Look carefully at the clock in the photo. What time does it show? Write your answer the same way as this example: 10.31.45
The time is 12.48.21
